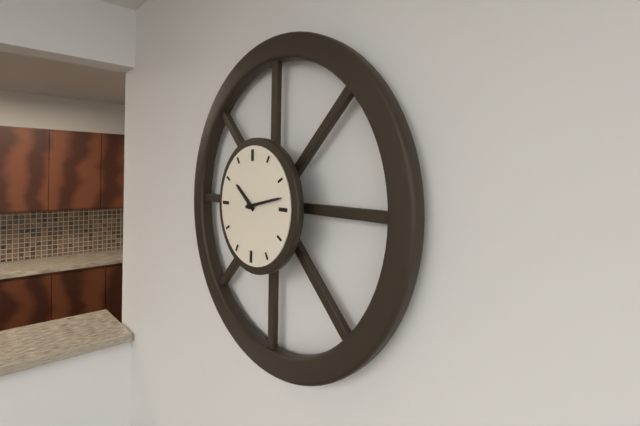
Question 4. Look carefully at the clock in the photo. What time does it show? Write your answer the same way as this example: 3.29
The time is 10.13
